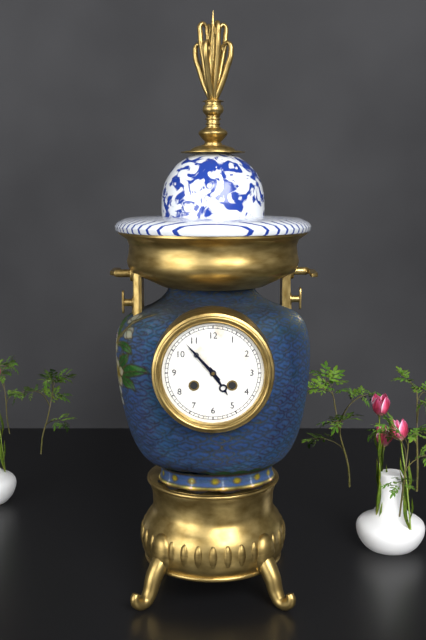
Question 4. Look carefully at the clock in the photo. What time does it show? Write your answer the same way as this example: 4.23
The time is 4.53
